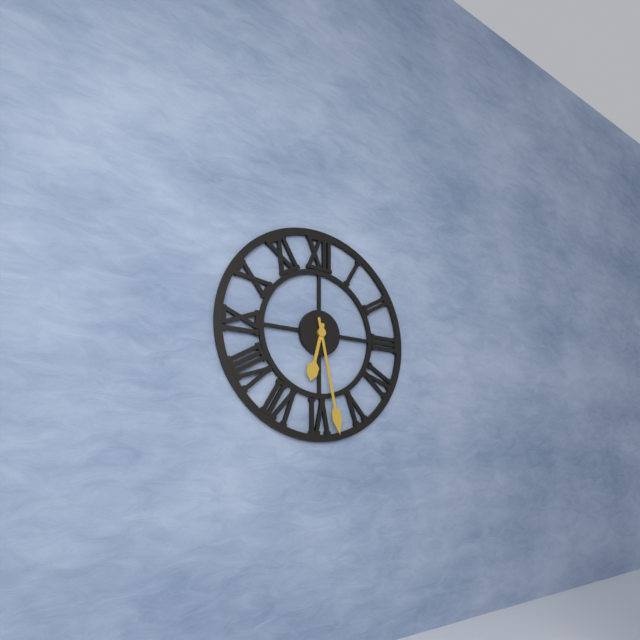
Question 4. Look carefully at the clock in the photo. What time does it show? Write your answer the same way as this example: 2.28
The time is 6.28
